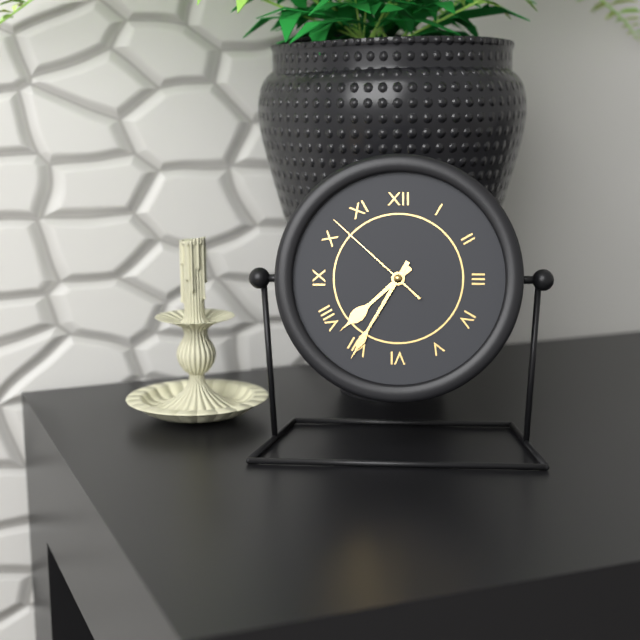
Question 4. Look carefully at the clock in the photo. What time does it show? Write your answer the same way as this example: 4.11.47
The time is 7.35.52
